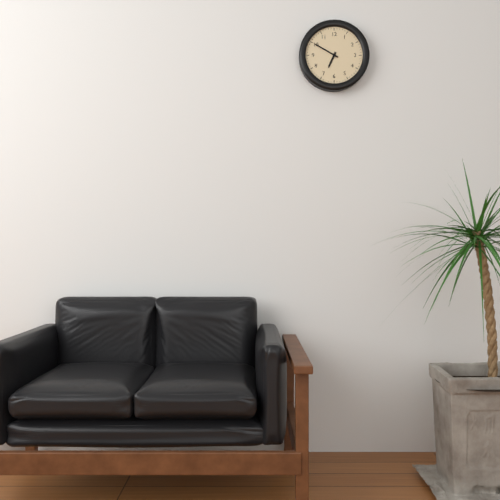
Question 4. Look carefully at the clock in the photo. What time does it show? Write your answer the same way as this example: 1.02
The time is 6.50
